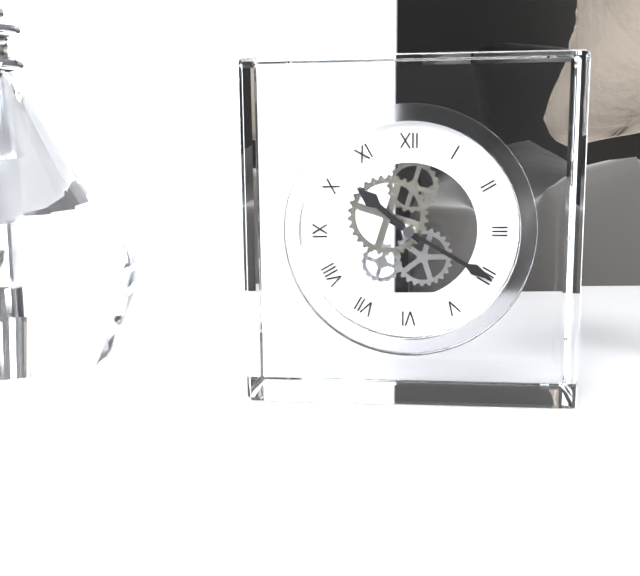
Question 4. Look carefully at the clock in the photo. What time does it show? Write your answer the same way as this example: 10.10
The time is 10.20
